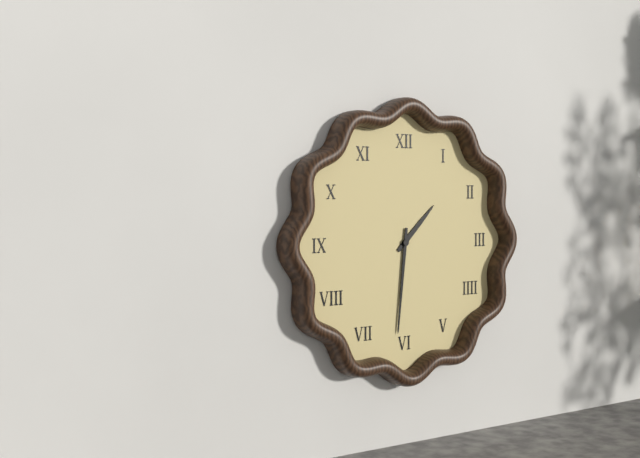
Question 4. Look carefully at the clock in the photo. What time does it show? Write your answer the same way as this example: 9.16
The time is 1.31
